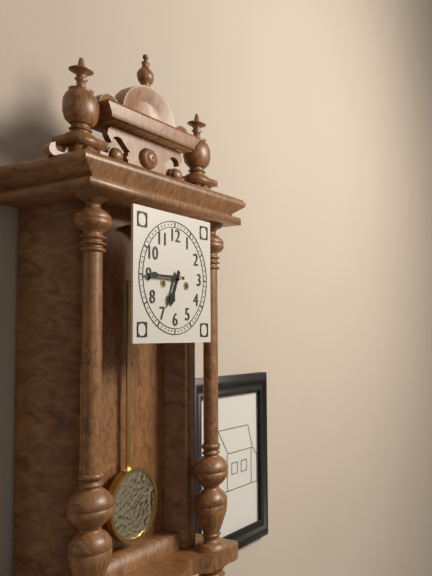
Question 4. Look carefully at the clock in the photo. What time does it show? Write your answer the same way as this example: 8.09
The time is 6.45
